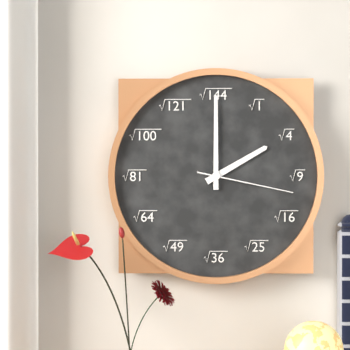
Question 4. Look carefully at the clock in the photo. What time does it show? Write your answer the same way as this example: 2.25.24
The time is 2.00.17
